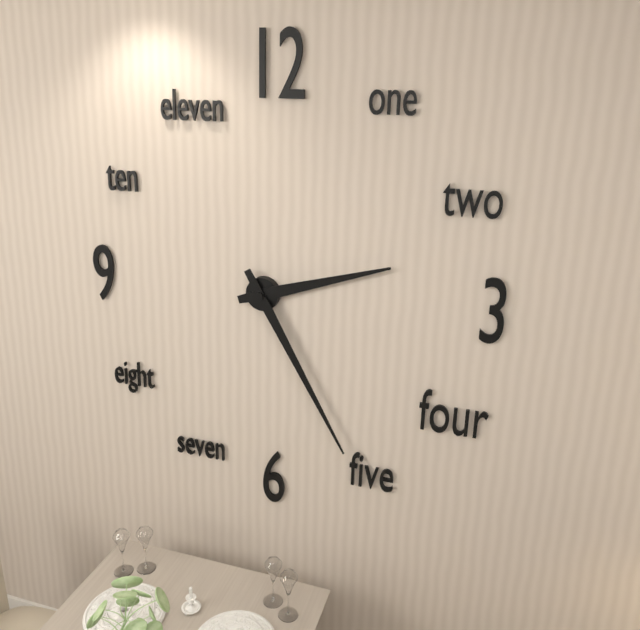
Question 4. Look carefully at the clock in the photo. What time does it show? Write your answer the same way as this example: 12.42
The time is 2.25
